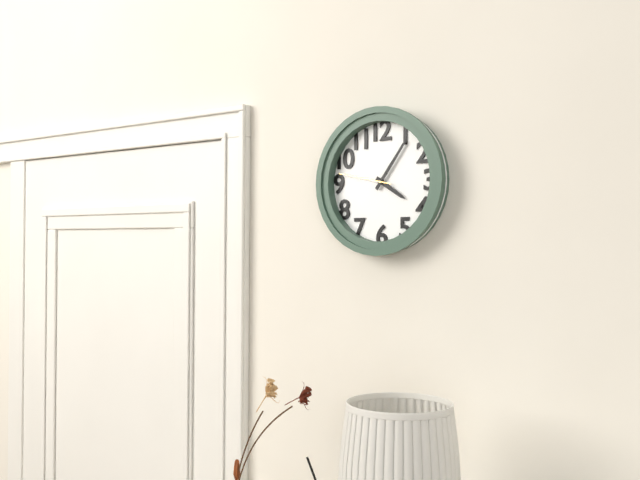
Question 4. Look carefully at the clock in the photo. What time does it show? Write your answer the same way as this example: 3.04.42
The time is 4.06.47
